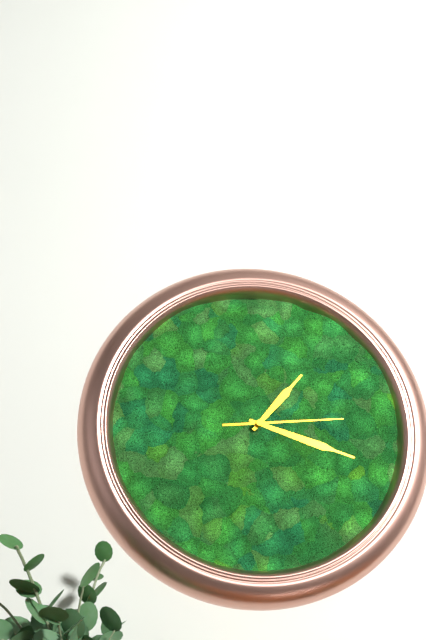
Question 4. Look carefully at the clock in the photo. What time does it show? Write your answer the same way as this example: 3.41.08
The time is 1.18.14
